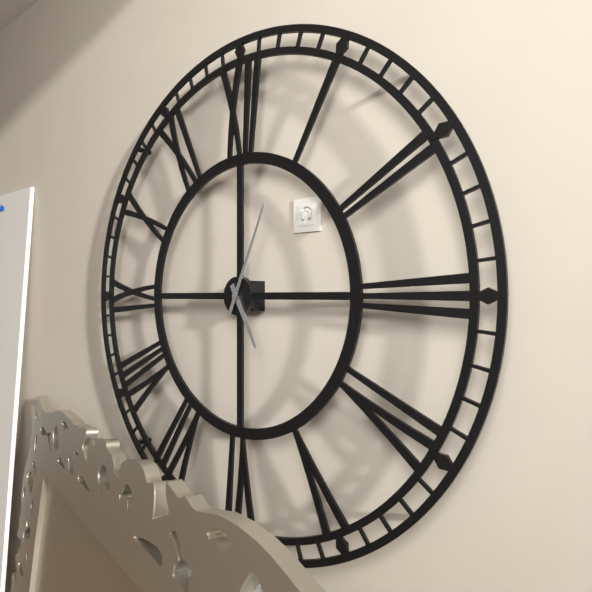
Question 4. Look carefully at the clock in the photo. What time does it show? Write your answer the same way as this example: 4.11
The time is 5.04
